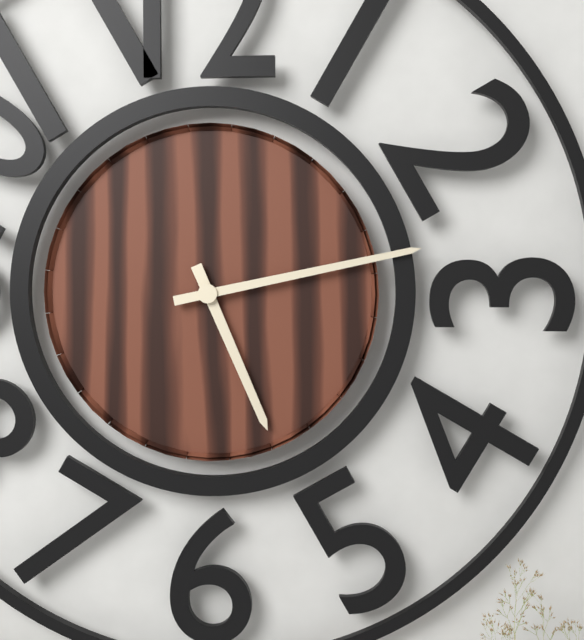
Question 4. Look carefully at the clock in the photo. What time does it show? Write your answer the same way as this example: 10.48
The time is 5.13
